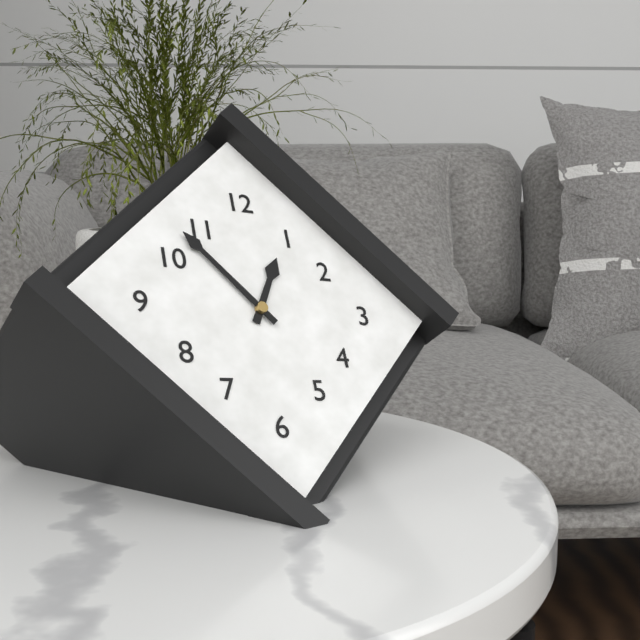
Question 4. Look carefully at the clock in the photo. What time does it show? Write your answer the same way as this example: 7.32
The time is 12.53
